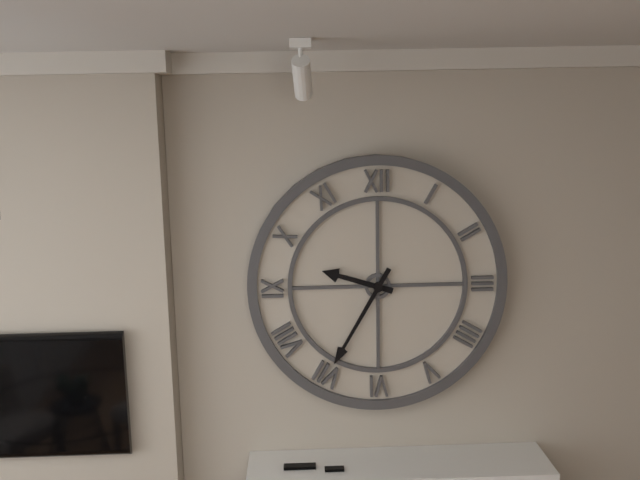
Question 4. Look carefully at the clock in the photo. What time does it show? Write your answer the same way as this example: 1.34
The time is 9.35
